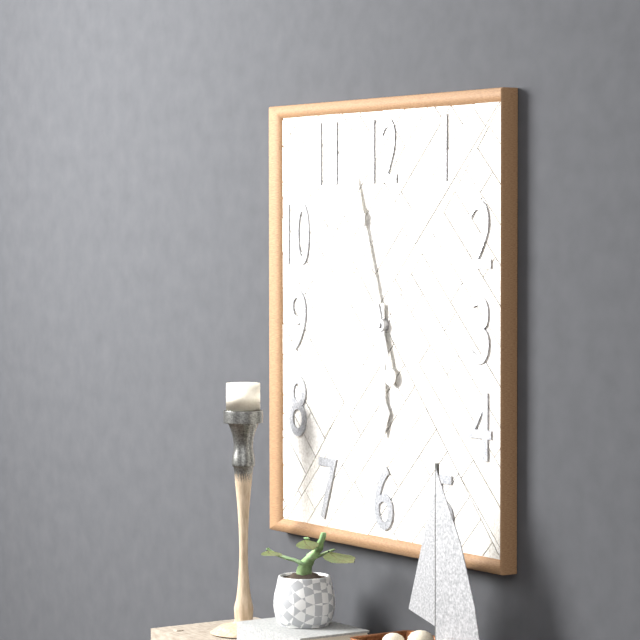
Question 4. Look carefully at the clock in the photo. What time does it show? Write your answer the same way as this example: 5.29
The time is 5.57
